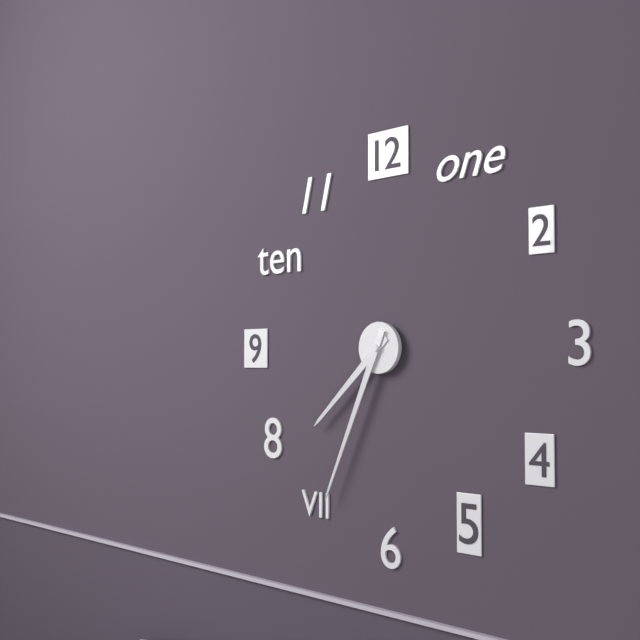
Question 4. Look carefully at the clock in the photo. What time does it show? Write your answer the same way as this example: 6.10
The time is 7.34
